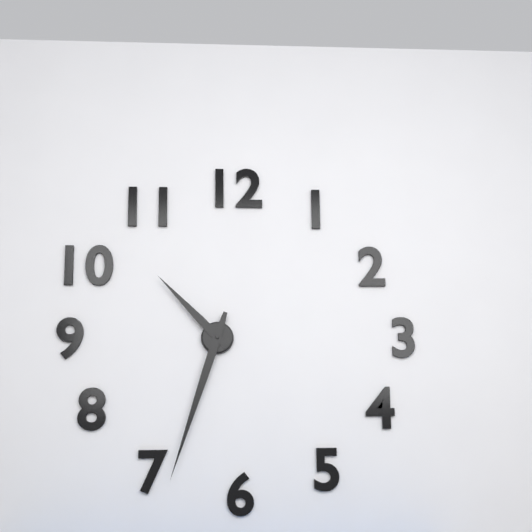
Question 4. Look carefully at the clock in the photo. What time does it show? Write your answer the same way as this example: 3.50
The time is 10.33
